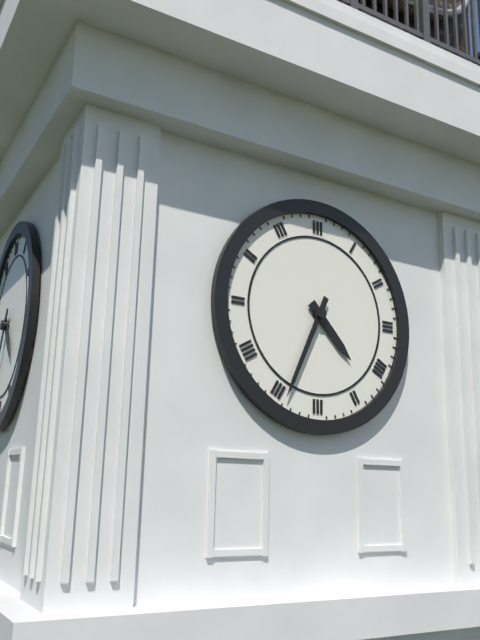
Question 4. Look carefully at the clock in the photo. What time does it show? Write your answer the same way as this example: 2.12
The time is 4.34
